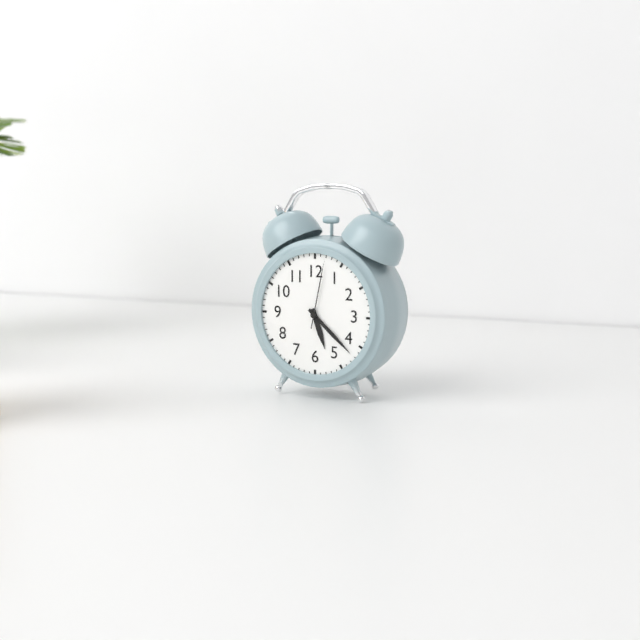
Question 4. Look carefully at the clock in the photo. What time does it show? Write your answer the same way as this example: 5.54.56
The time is 5.22.02
